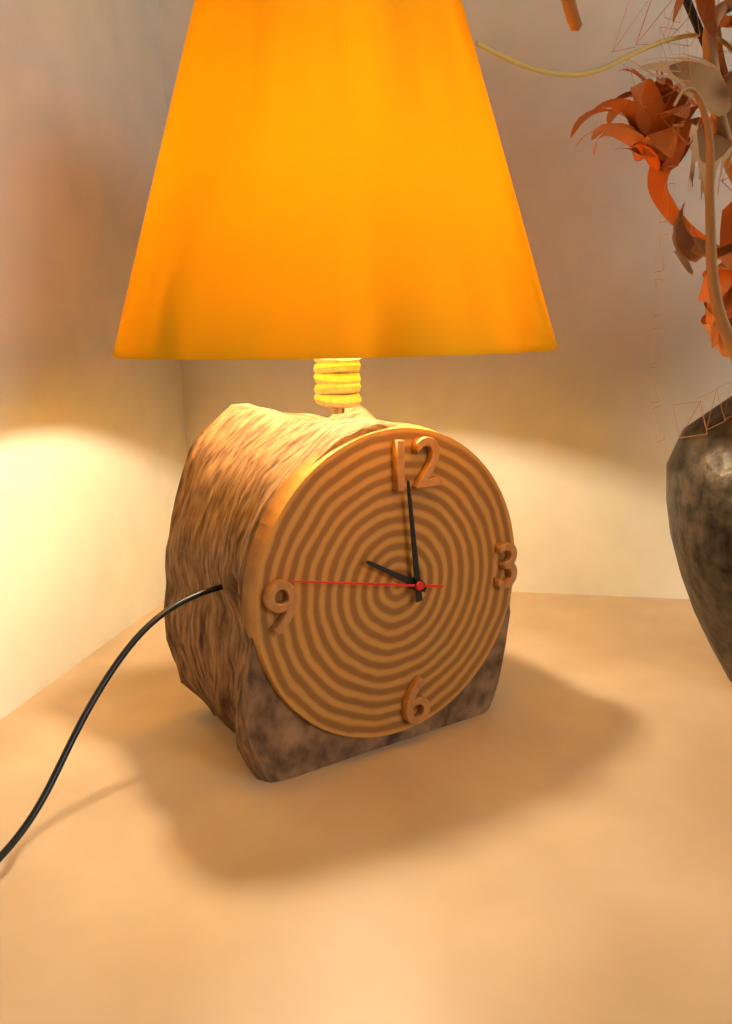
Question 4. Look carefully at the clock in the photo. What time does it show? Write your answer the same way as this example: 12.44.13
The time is 9.59.47
